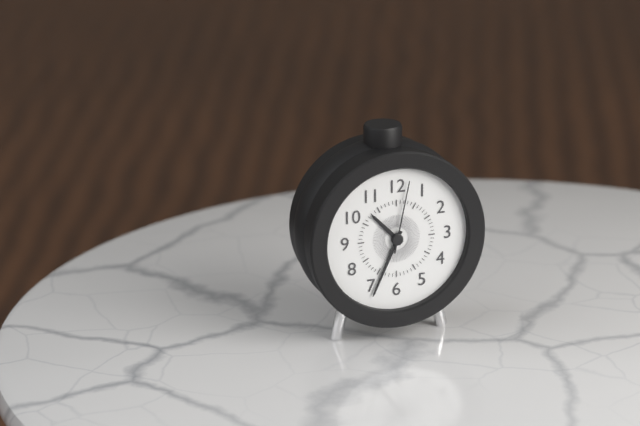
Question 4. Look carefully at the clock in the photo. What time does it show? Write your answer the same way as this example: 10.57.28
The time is 10.34.02
